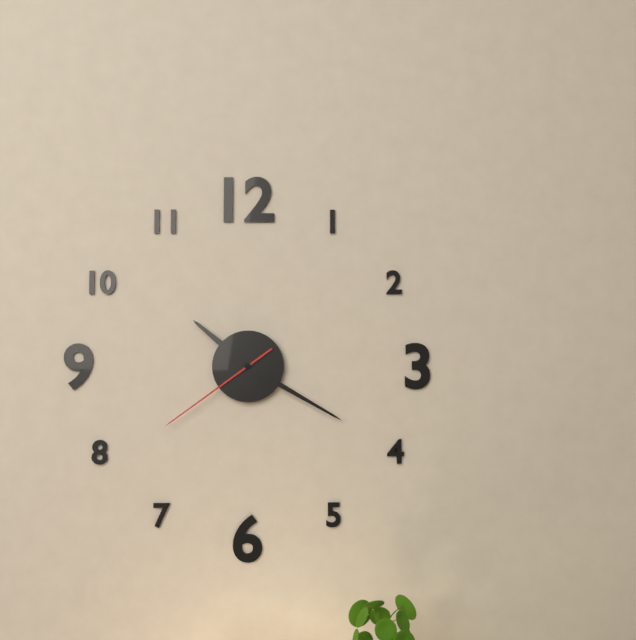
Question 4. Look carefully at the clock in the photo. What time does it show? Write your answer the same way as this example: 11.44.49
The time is 10.20.39
